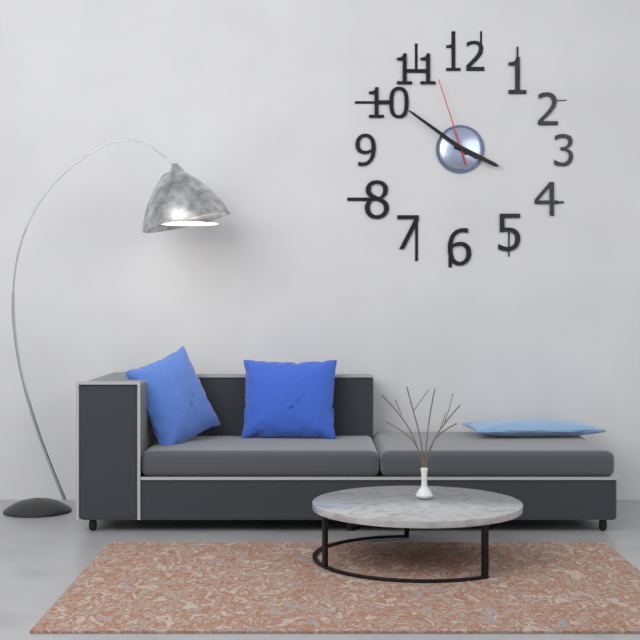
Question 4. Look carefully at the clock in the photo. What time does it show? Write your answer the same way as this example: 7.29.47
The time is 3.51.57
